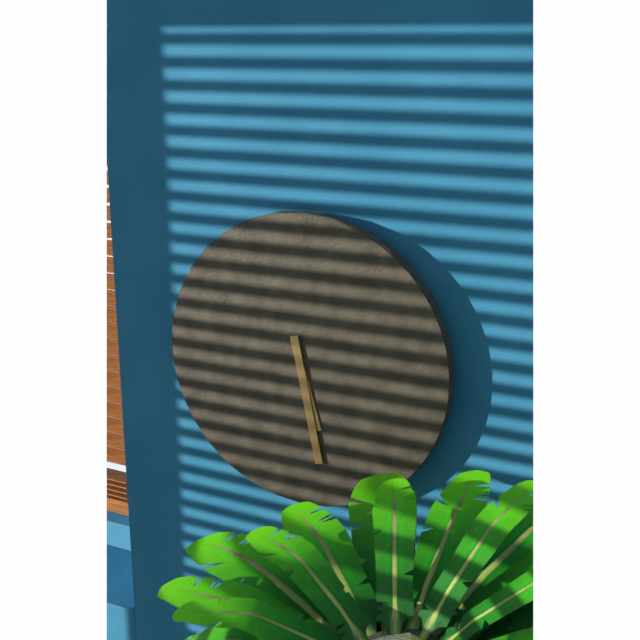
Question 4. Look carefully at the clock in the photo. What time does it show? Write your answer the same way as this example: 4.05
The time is 5.28
